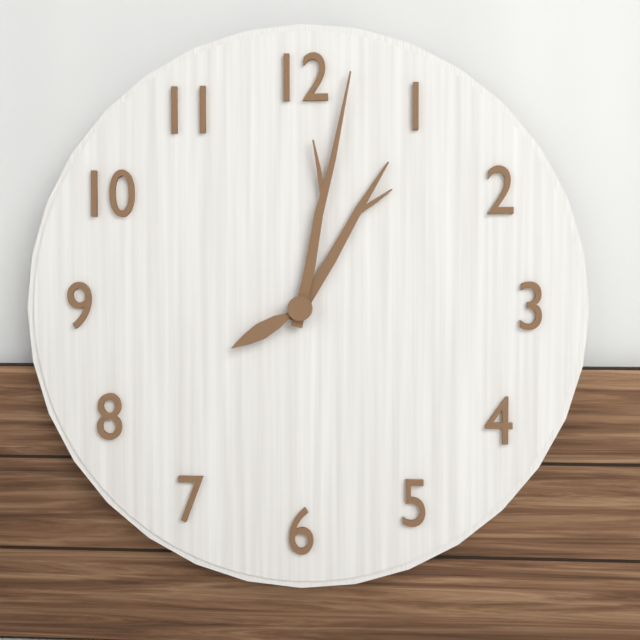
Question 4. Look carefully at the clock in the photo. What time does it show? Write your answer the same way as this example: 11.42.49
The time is 1.02.40
